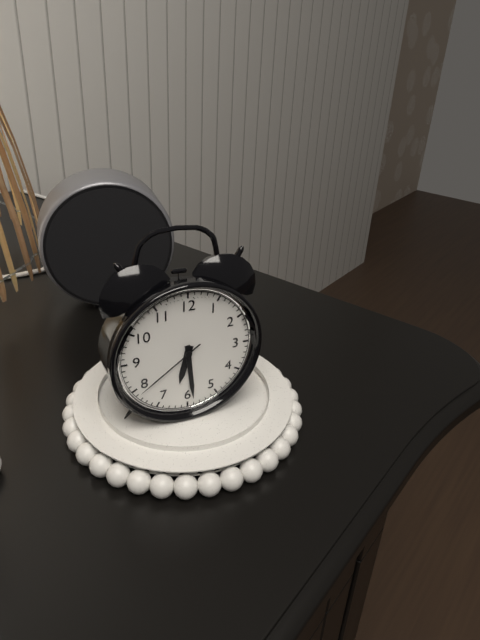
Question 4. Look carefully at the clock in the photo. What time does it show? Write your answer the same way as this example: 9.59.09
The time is 6.29.39
